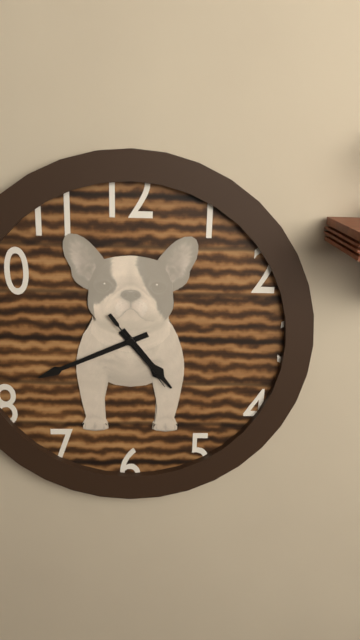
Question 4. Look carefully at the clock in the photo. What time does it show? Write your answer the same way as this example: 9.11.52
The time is 4.41.24
